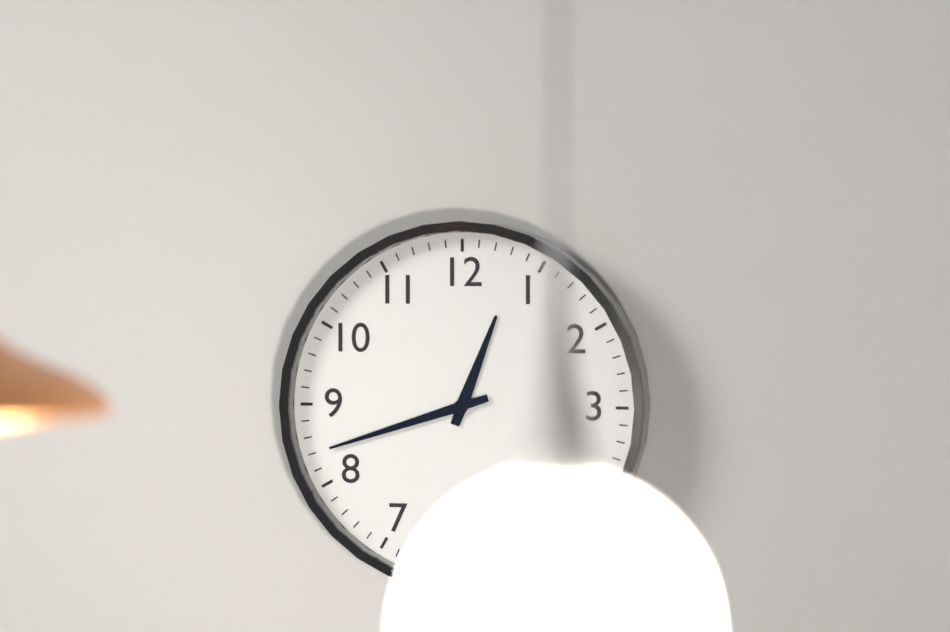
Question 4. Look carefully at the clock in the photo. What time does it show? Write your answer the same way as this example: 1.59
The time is 12.42
